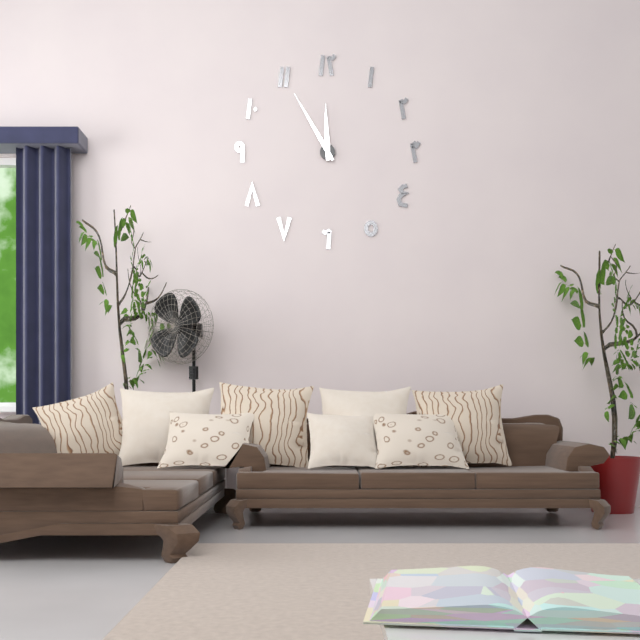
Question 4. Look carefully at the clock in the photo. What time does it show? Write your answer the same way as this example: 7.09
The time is 11.55
